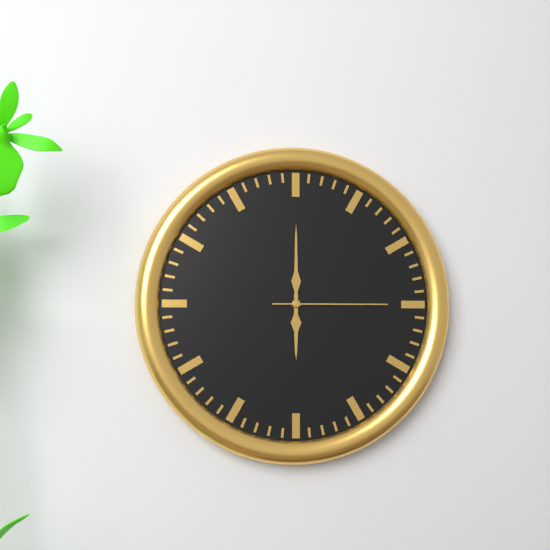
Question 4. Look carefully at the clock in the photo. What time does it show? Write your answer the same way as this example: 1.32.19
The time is 6.00.15
